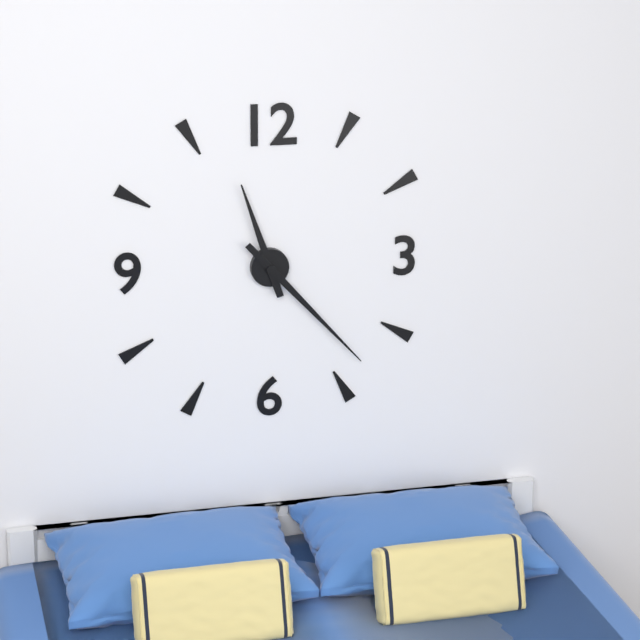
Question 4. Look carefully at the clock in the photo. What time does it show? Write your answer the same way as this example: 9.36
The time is 11.23
